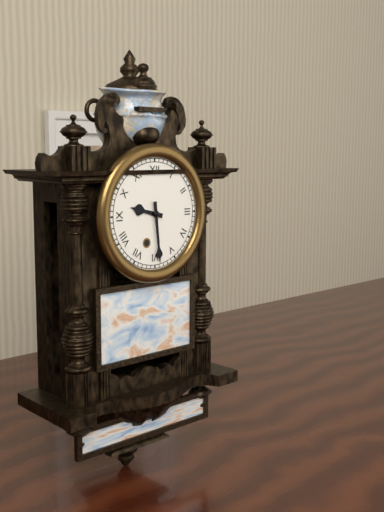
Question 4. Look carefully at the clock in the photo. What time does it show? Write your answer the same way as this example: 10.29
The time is 9.29
